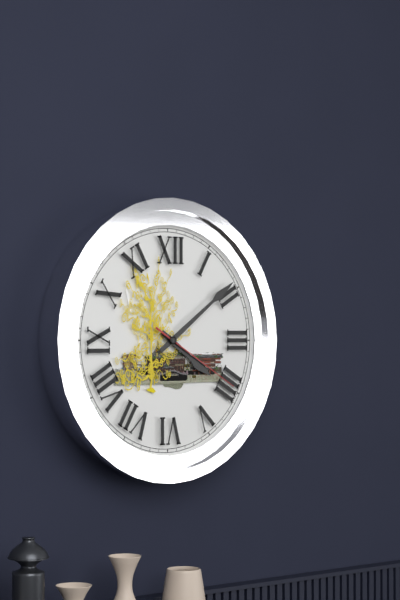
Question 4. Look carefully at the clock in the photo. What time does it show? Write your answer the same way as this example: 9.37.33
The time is 4.09.20
